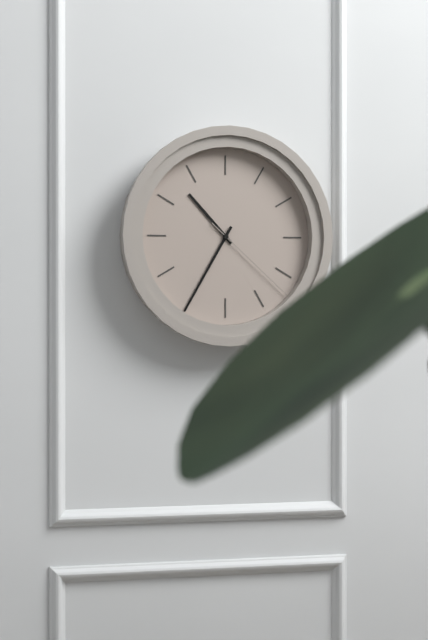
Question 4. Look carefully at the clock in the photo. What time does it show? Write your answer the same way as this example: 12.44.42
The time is 10.35.22
